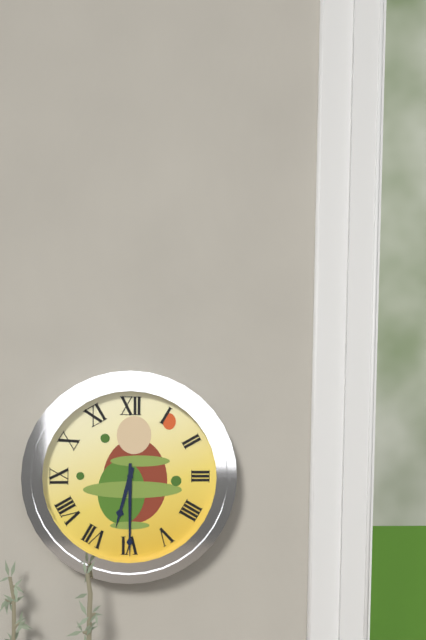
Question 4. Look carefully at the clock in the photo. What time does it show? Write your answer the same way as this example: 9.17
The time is 6.30
